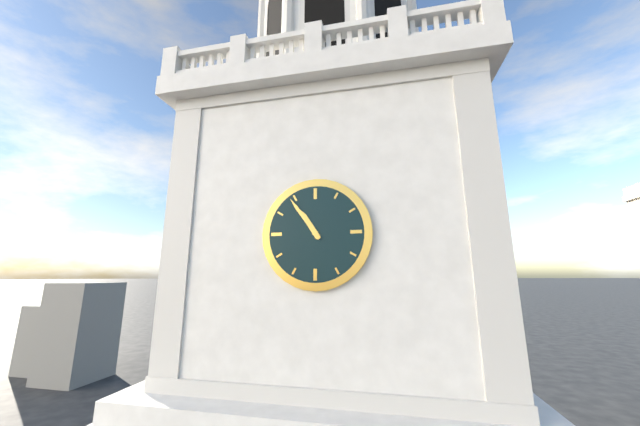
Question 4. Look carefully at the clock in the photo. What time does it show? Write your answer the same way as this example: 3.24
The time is 10.54
